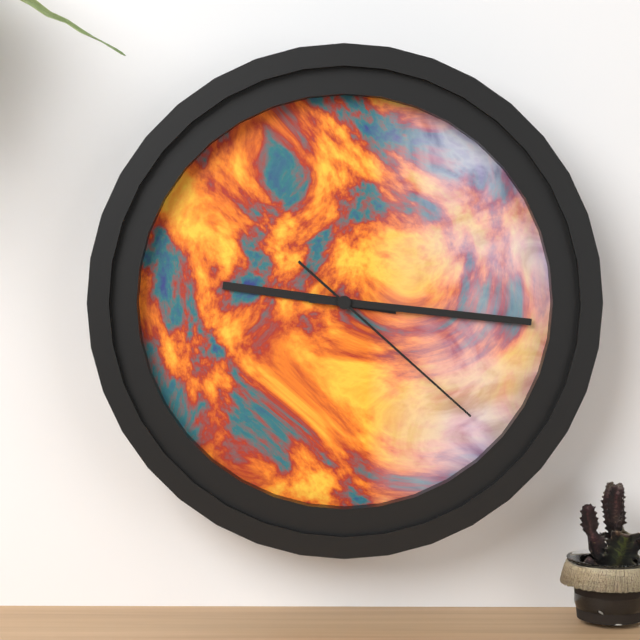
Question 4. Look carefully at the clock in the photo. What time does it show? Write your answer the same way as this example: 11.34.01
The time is 9.16.22
